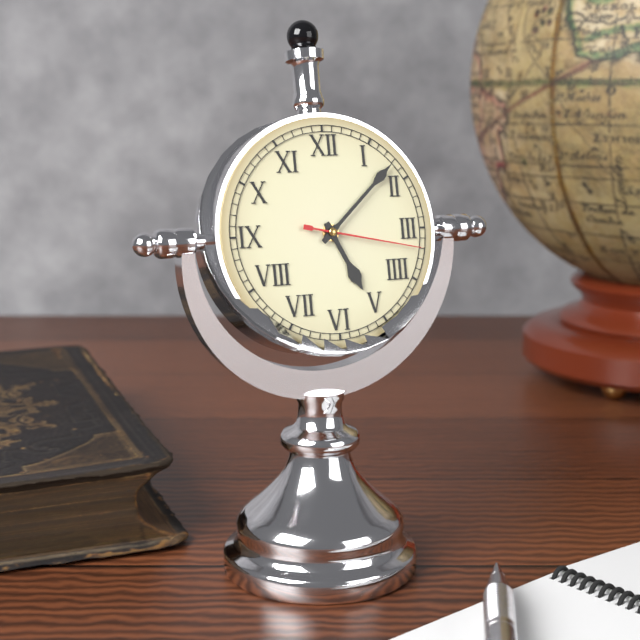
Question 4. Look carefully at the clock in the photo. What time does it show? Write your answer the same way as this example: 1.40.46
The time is 5.08.17
